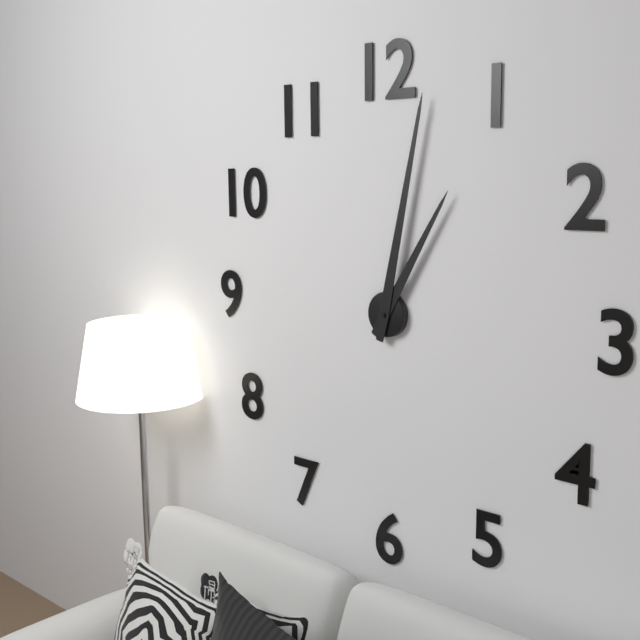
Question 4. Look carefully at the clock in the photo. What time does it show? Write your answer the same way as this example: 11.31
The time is 1.02
